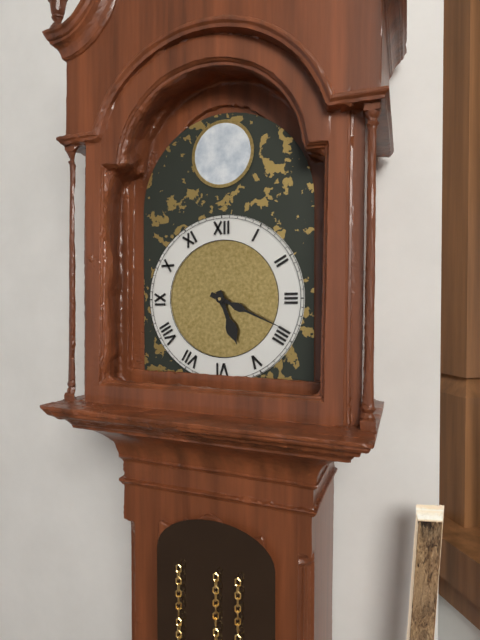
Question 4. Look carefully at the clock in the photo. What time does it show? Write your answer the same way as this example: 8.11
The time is 5.19
